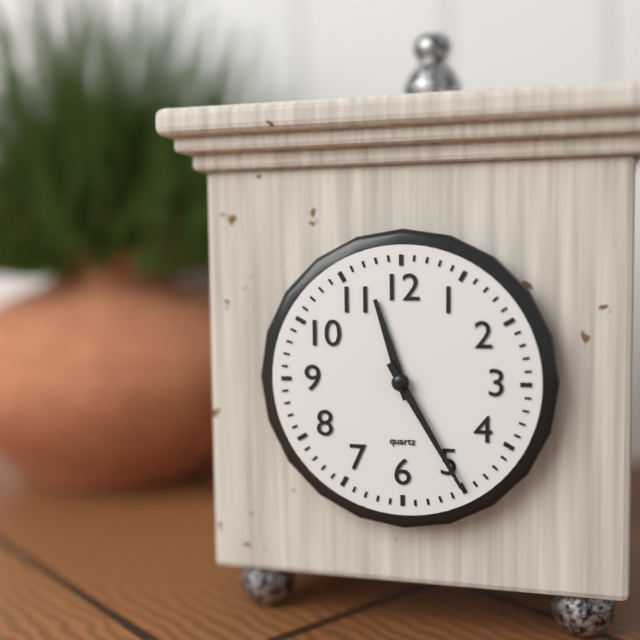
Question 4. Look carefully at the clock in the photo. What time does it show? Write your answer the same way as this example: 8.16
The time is 11.25
